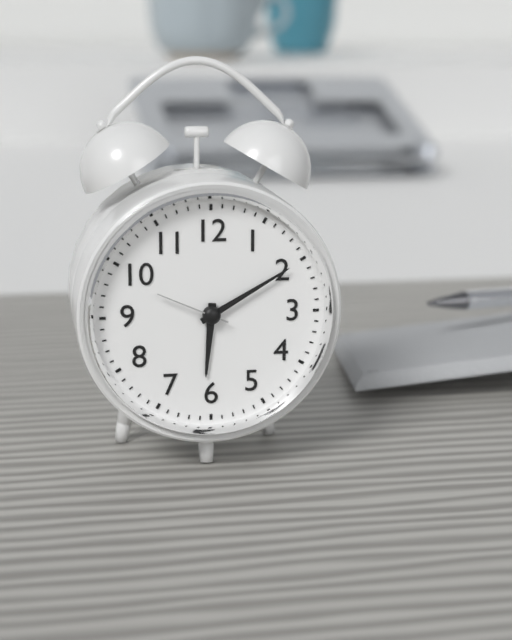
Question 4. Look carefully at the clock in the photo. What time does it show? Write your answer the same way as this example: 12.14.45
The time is 6.10.49
